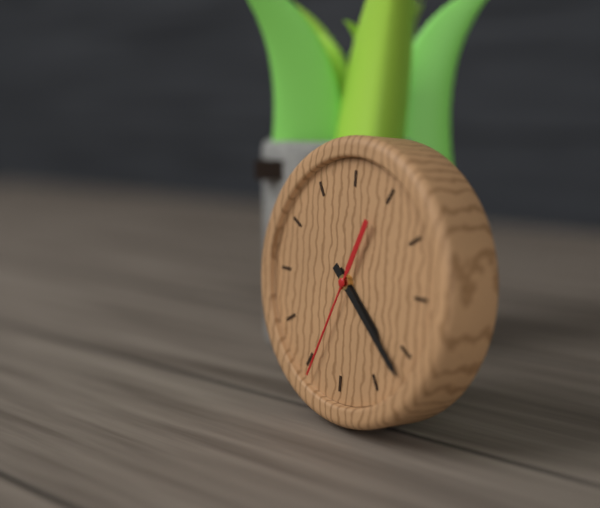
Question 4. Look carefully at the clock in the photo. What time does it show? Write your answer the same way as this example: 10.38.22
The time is 4.22.34
